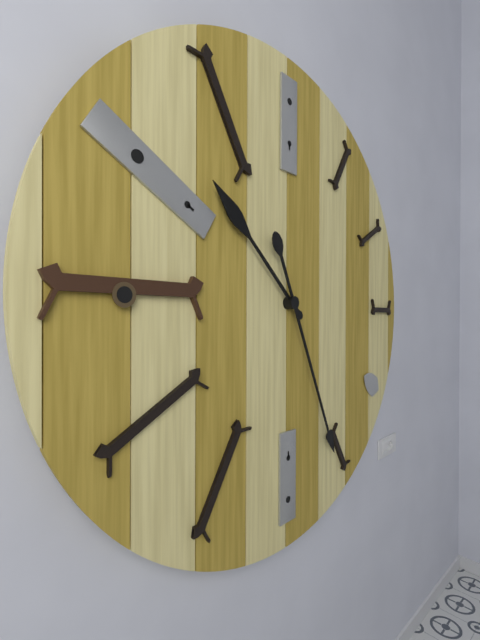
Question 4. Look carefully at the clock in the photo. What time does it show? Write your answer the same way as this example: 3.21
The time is 10.26
